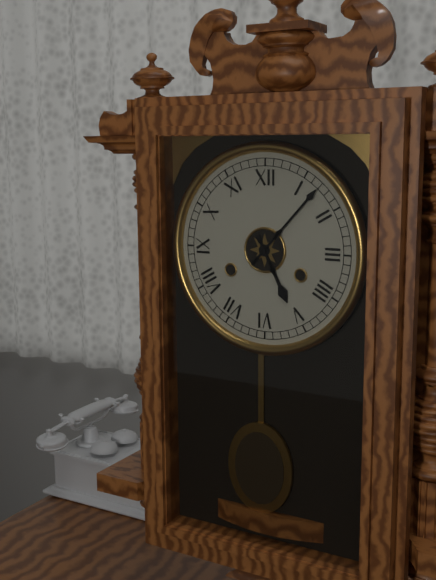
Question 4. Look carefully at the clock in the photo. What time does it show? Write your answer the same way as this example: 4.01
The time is 5.07
